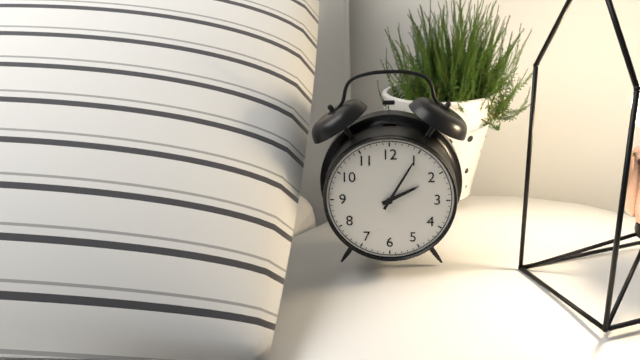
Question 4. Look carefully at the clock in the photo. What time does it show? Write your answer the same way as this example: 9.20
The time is 2.05
